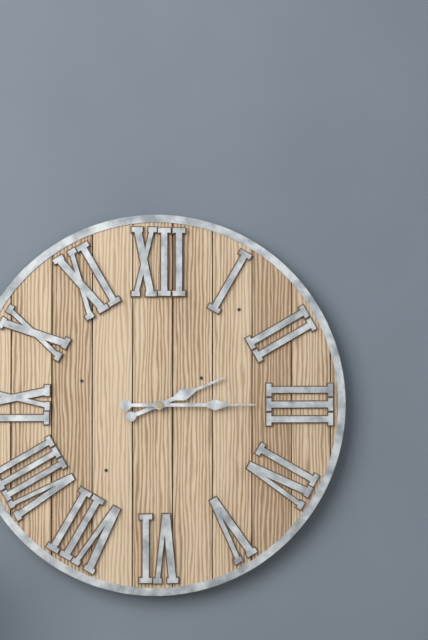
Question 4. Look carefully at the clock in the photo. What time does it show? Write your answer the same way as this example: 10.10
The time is 2.15
